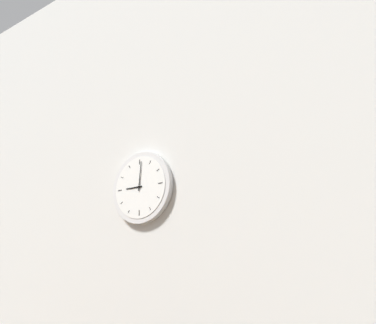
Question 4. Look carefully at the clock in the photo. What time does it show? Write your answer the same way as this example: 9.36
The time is 9.01
